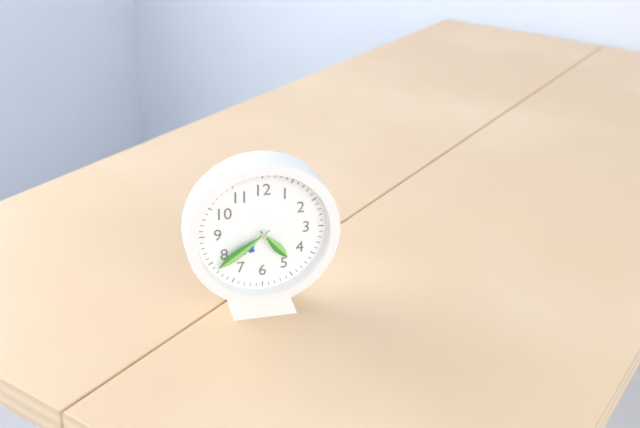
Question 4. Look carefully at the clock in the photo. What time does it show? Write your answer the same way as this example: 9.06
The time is 4.39
